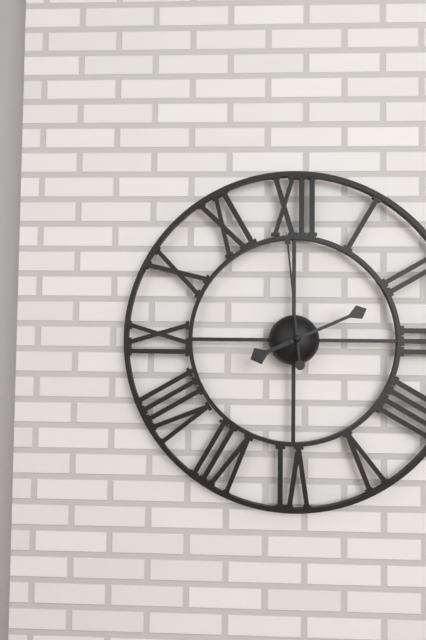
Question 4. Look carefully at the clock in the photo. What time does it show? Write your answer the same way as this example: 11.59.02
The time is 8.11.59
